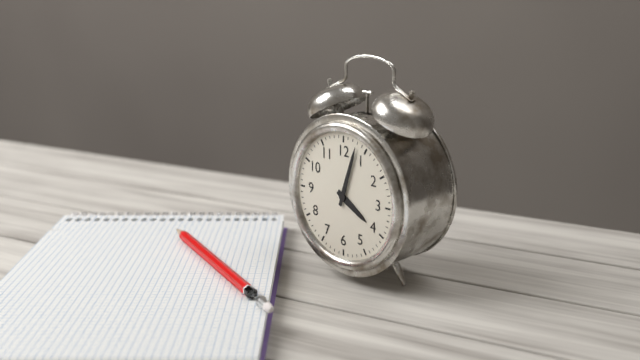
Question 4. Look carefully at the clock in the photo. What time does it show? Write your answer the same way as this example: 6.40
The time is 4.03
